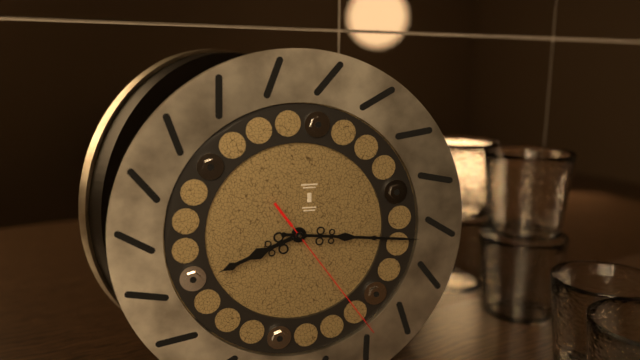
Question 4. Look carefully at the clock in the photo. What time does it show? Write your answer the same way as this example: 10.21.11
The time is 8.16.24
